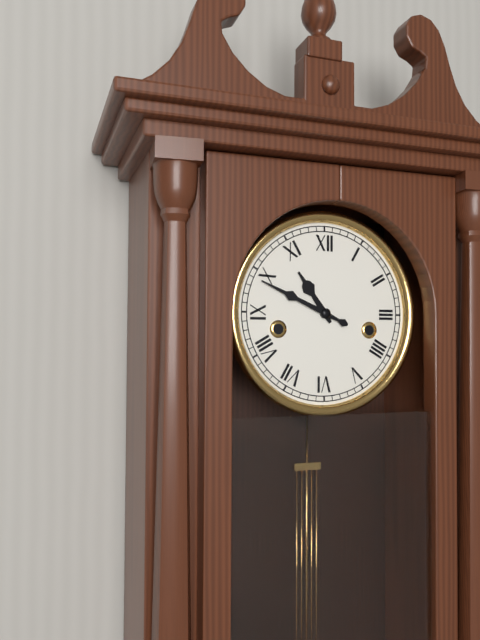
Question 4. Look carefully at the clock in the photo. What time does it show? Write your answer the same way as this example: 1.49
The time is 10.49
